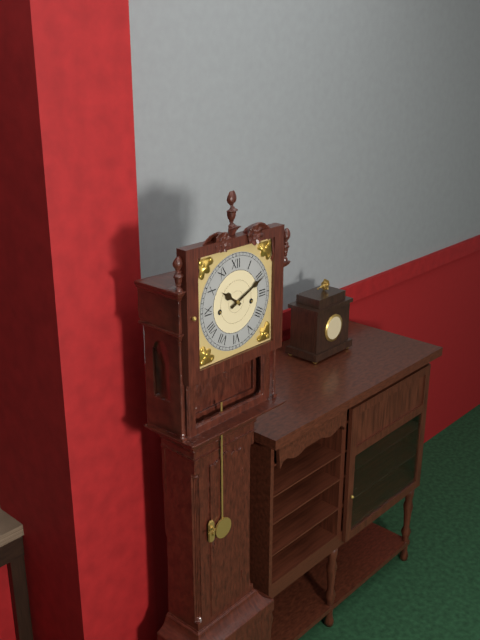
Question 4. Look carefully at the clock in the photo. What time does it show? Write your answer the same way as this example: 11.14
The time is 10.11
